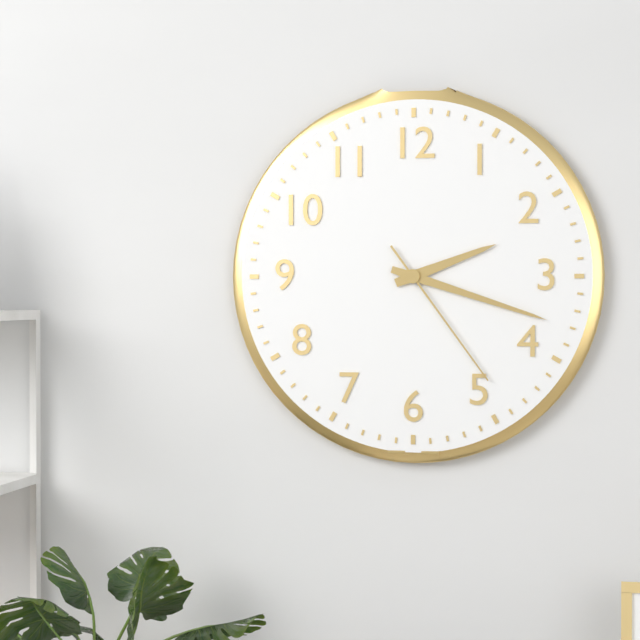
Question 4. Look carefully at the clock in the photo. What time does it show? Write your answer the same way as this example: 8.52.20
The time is 2.18.24
